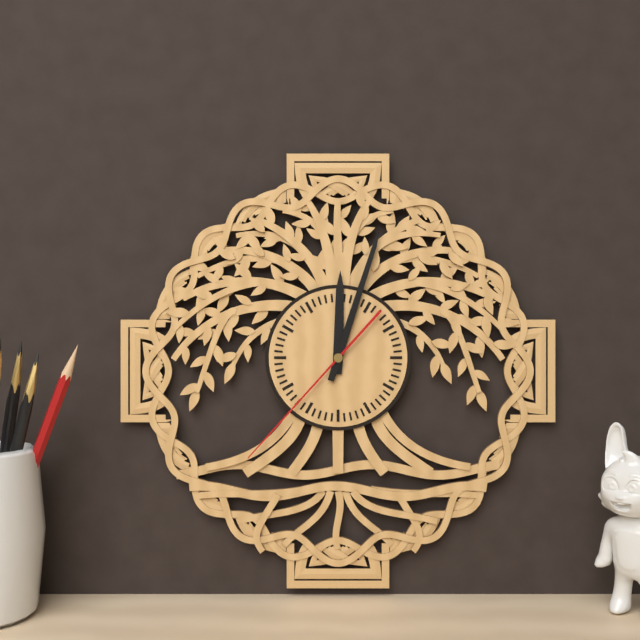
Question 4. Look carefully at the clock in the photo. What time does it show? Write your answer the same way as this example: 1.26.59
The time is 12.03.37
